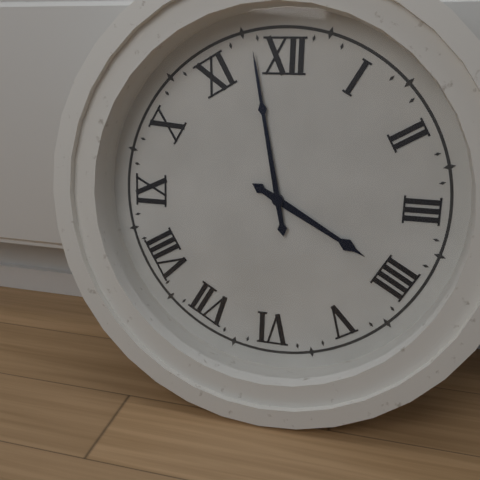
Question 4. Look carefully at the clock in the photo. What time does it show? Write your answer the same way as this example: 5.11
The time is 3.58
